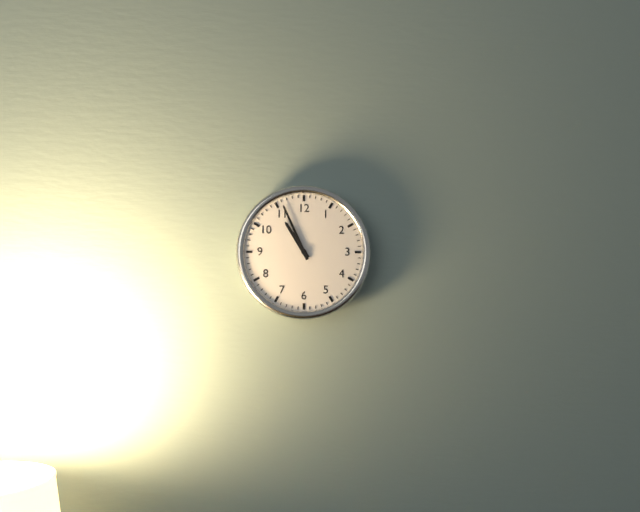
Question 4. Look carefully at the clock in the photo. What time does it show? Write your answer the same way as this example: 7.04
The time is 10.56
